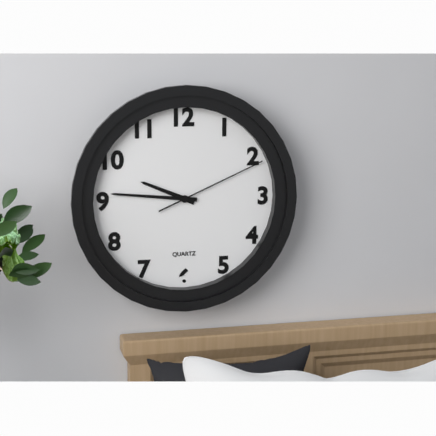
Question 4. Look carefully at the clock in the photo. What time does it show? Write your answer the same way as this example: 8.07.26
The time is 9.46.11
